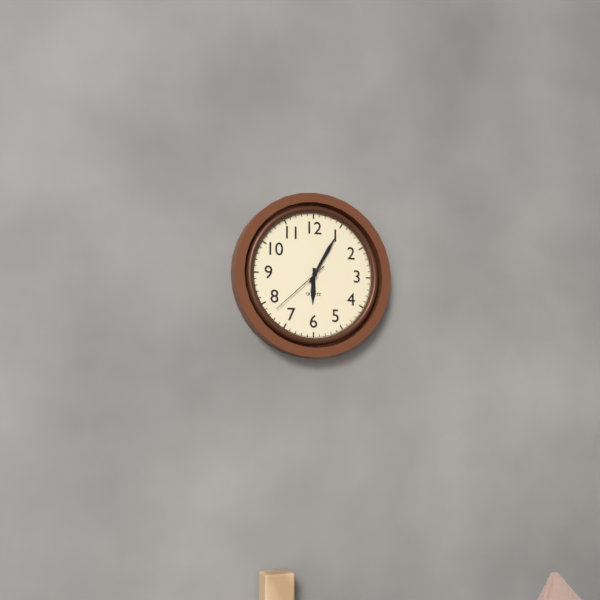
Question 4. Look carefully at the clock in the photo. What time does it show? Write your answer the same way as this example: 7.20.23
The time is 6.05.38
